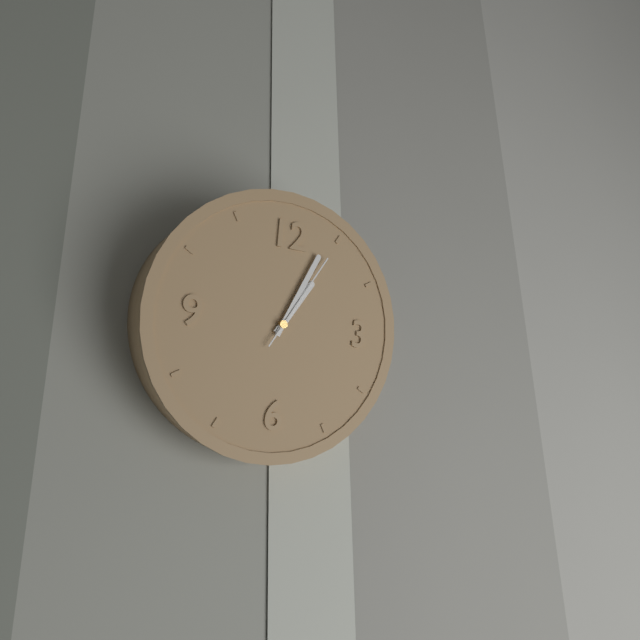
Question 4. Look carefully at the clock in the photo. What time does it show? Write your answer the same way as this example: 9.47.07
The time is 1.04.05
